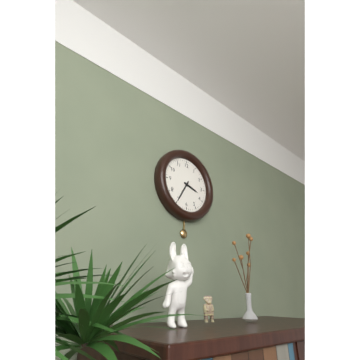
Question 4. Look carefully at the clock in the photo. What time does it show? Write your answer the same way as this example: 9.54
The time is 3.35
